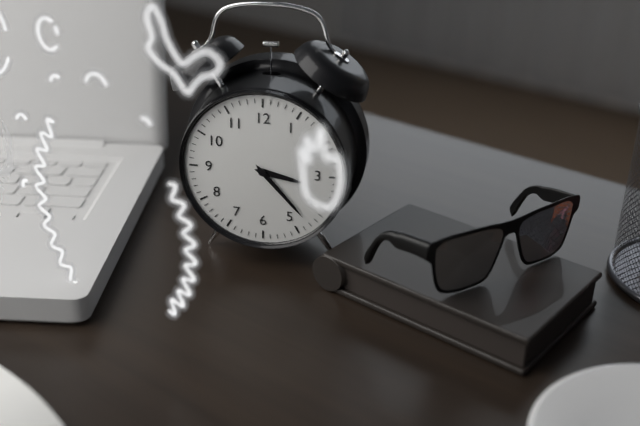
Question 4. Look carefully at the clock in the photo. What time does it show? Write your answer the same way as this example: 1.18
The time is 3.23
